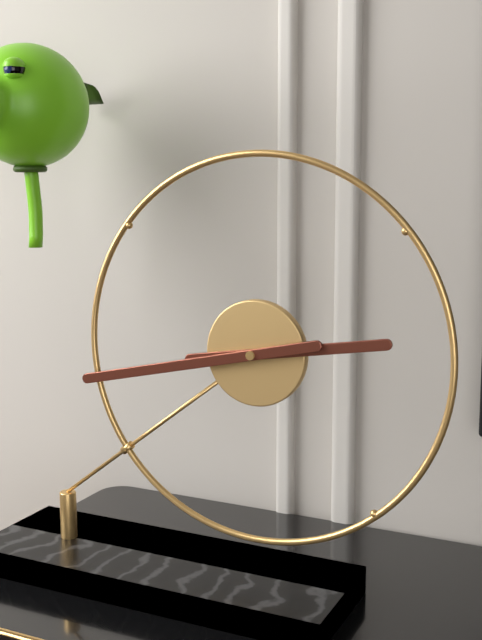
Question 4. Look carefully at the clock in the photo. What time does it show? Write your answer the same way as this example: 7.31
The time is 2.43
